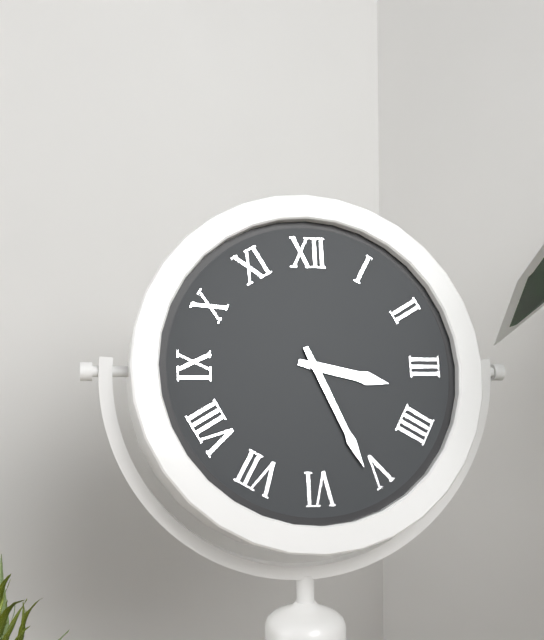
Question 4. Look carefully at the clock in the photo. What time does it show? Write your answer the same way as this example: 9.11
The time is 3.26
